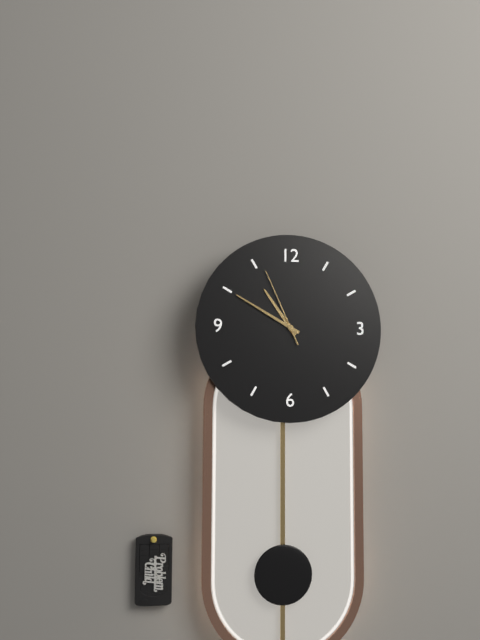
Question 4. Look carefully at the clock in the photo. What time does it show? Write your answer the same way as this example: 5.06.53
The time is 10.50.56
